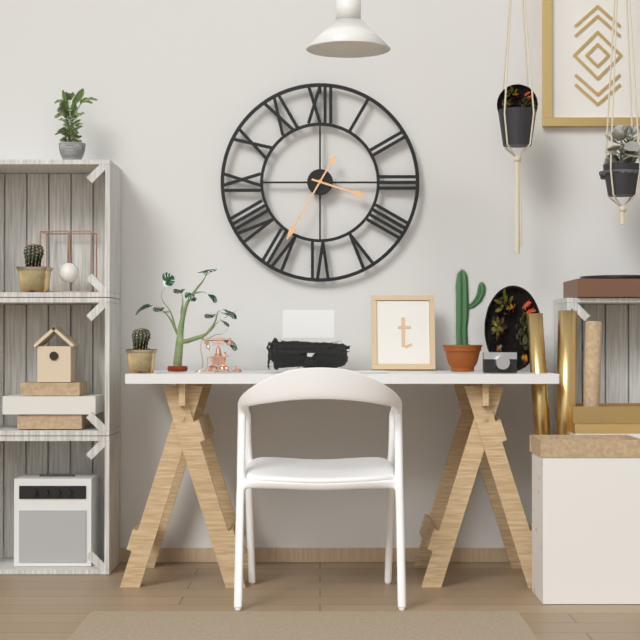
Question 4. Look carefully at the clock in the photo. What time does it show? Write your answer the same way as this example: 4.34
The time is 3.35
